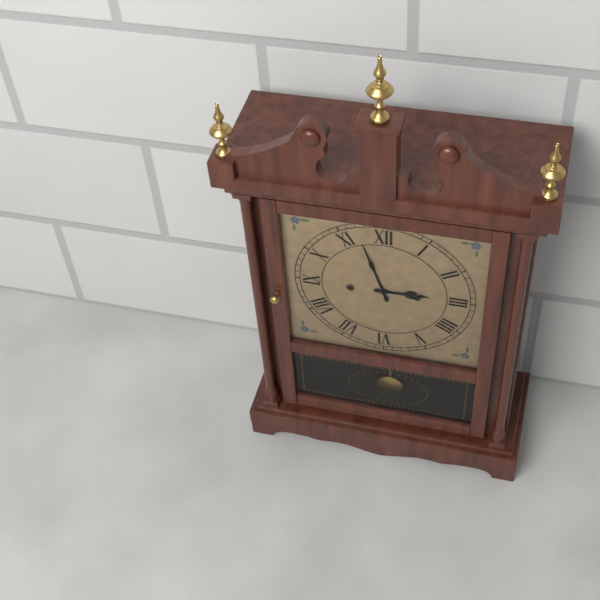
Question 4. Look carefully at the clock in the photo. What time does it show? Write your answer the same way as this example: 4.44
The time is 2.57
